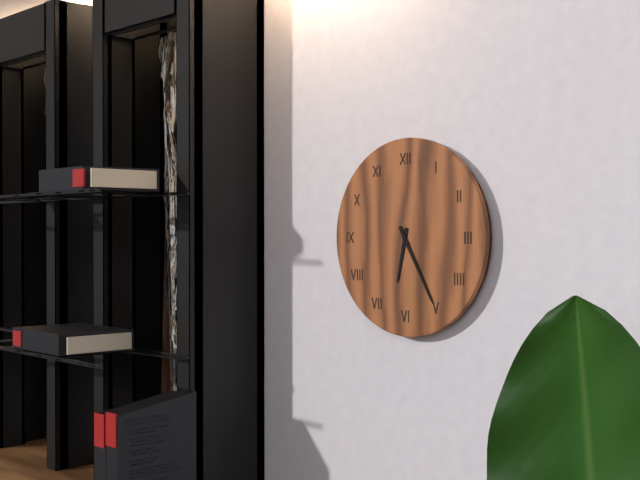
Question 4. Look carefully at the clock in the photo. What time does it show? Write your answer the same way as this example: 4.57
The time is 6.25
